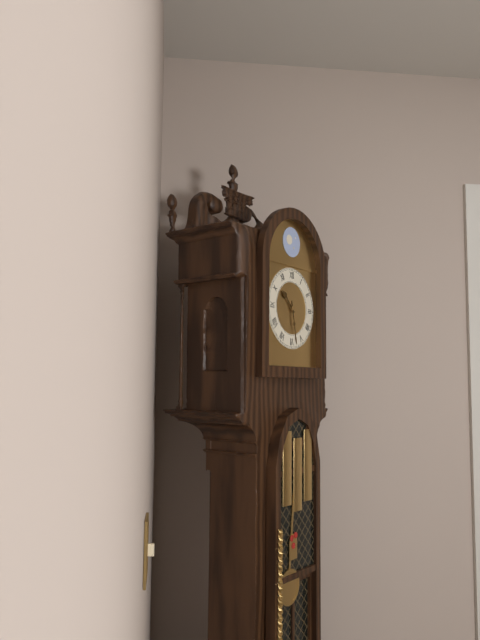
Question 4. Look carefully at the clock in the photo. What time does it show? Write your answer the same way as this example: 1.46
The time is 10.28
